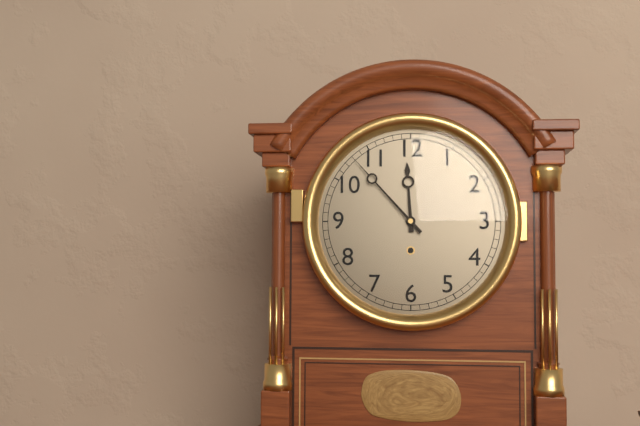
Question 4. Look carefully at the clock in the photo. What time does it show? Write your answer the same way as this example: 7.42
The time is 11.53
